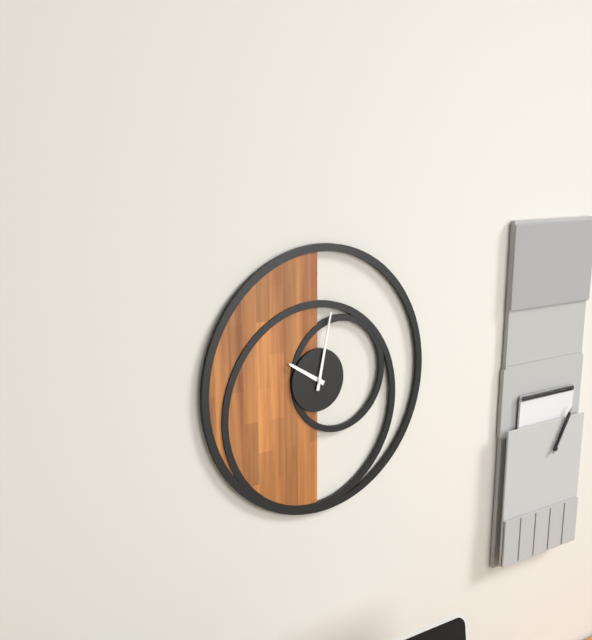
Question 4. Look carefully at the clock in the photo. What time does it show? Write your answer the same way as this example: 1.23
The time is 10.02
